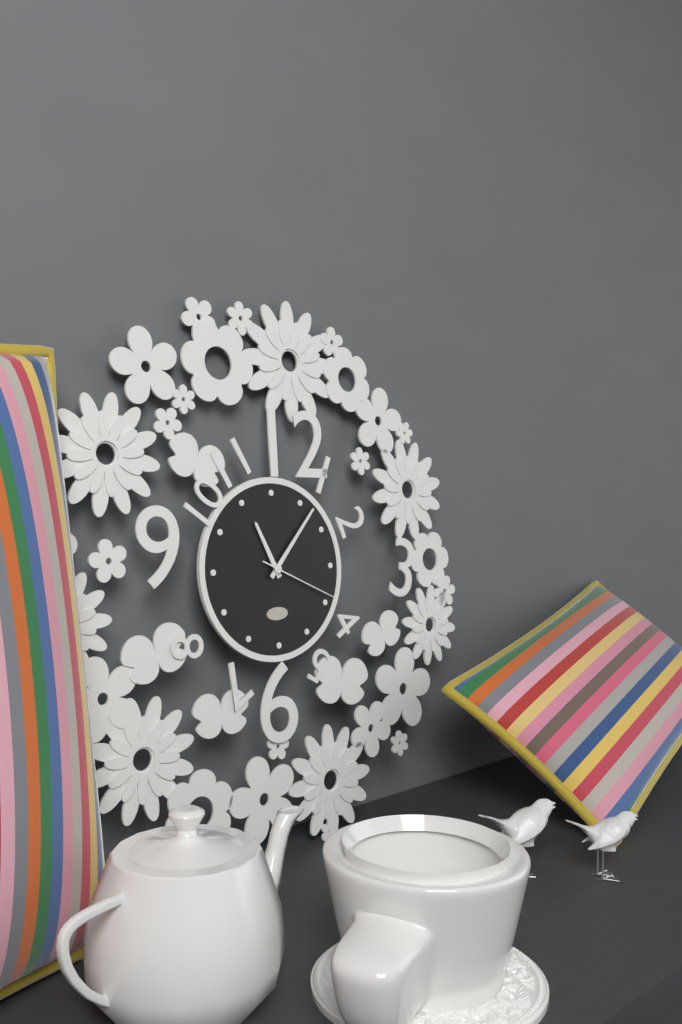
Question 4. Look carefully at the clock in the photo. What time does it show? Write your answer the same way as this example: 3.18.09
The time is 11.07.19
